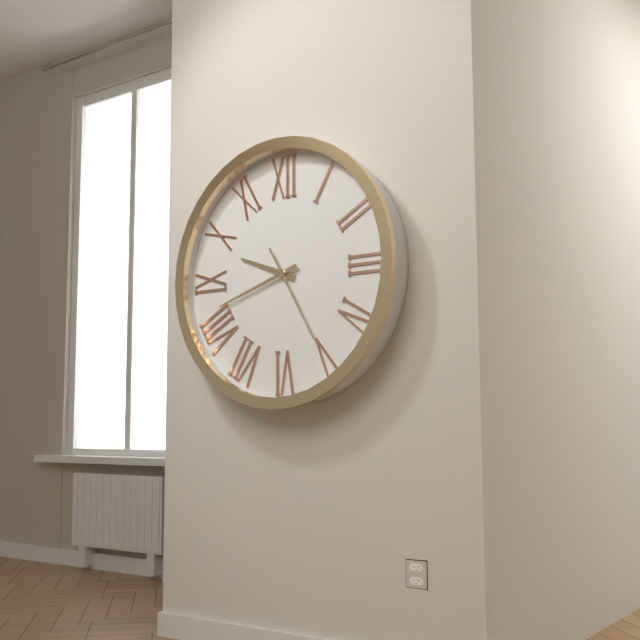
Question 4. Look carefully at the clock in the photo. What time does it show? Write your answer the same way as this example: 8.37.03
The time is 9.42.25
